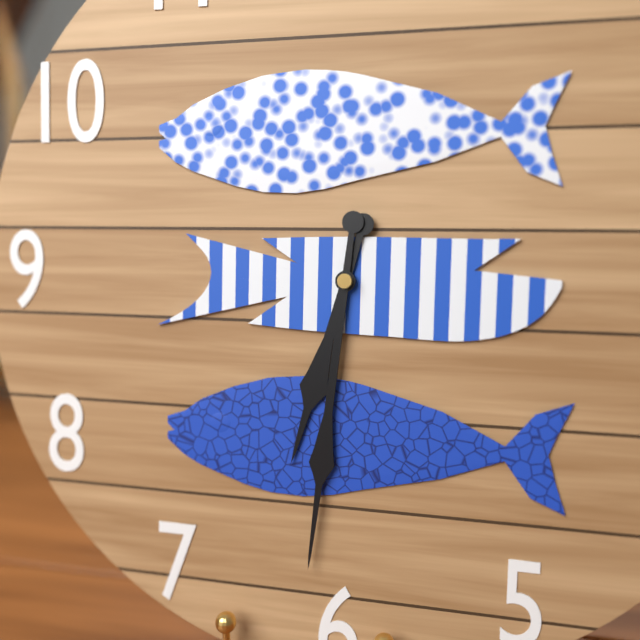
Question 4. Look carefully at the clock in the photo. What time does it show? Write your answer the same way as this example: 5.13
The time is 6.31
